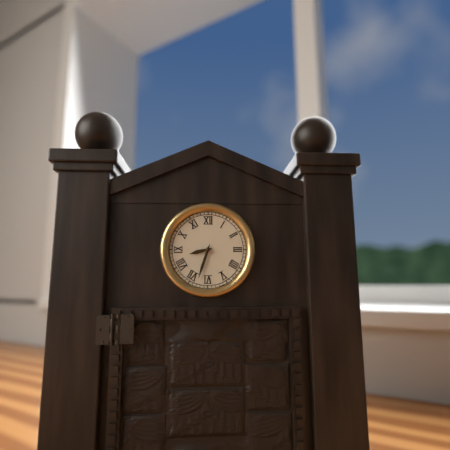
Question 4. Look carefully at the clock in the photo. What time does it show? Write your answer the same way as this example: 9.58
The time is 8.33
